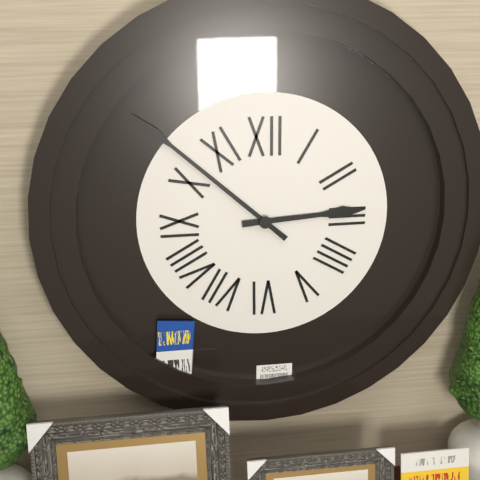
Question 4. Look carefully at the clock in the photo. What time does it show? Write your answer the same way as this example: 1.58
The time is 2.52
